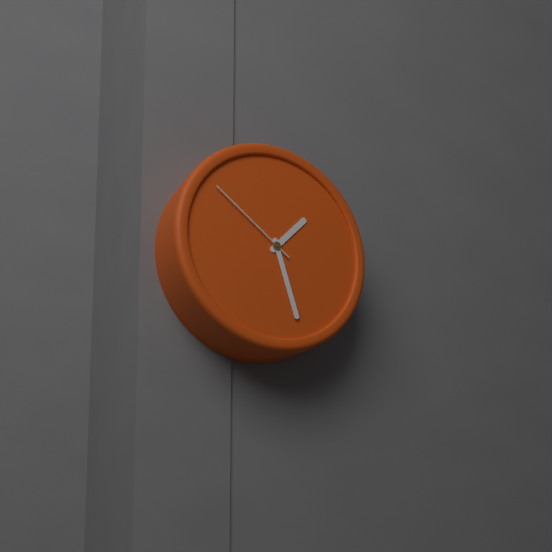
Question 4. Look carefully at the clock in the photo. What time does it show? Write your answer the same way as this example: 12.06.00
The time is 1.27.51
